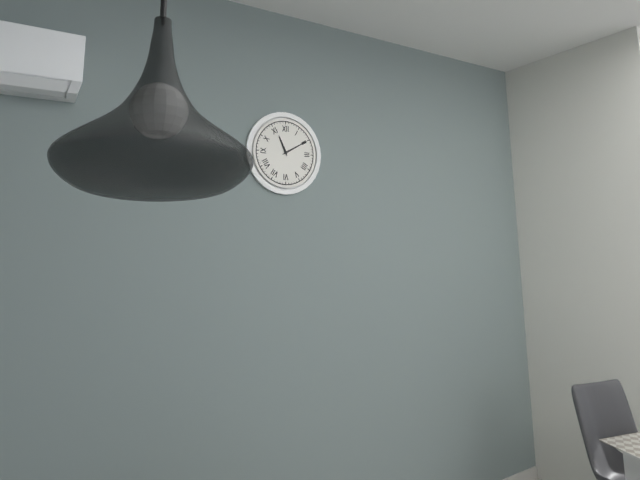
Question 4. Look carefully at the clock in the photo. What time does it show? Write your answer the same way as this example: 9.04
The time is 11.10
